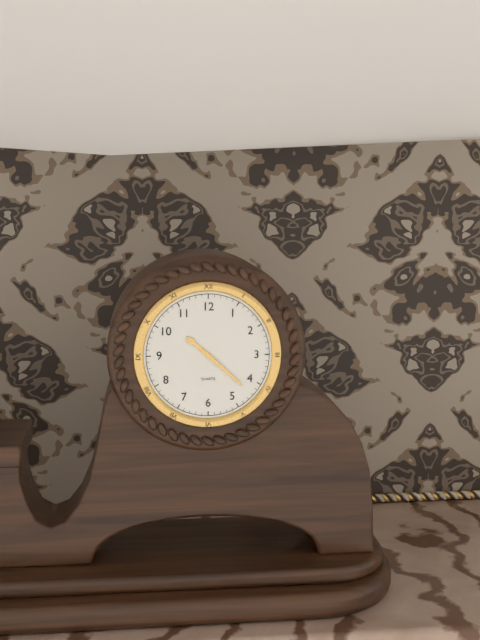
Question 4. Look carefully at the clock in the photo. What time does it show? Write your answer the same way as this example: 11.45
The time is 10.22
